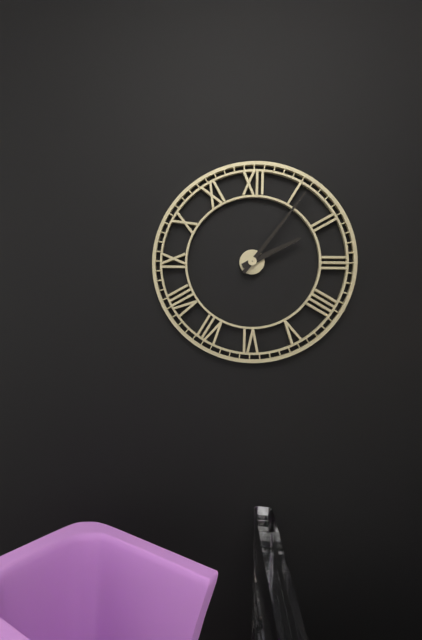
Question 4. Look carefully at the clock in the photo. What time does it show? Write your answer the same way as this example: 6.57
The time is 2.06
